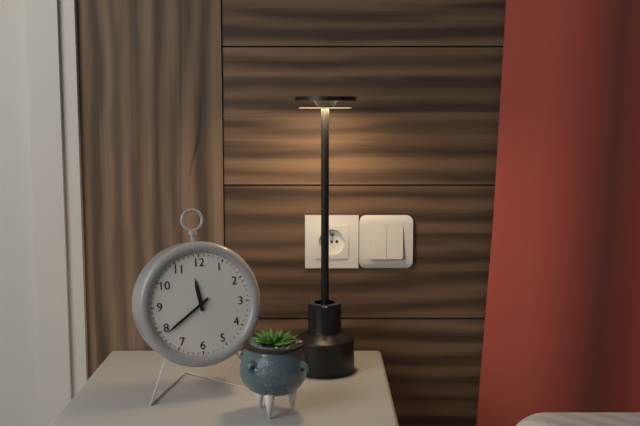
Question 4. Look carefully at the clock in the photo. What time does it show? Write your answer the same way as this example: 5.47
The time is 11.39
